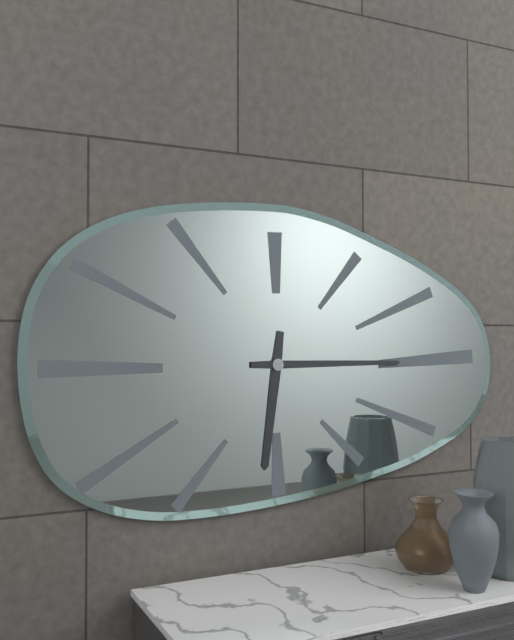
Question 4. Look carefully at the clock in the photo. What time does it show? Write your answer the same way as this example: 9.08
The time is 6.15
